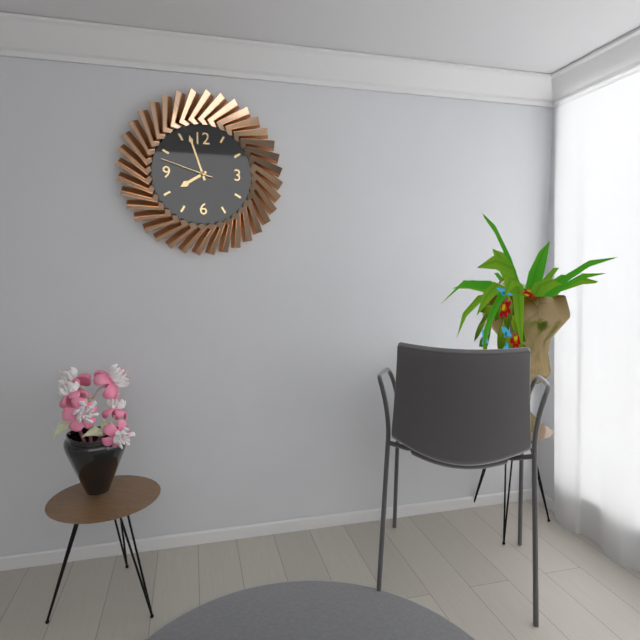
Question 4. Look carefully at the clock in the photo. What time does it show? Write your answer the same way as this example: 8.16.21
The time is 7.57.48
